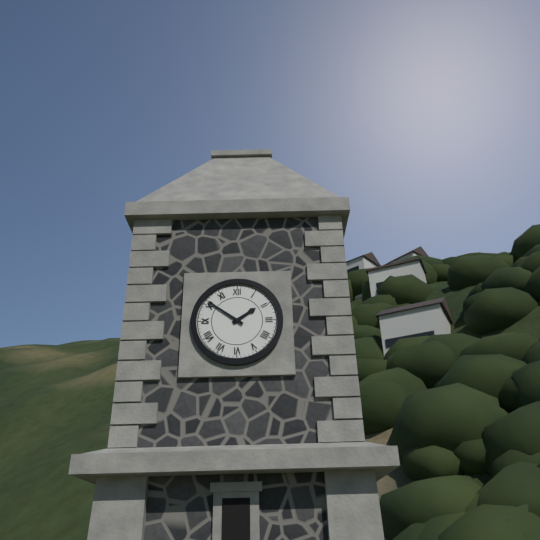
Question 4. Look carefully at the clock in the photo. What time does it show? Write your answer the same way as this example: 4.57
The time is 1.51
